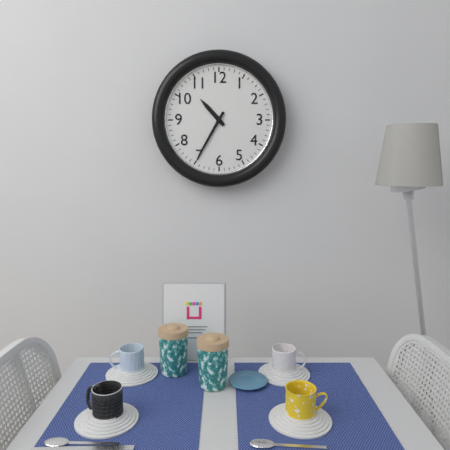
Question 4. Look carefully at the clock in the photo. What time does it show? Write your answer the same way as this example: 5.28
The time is 10.35
